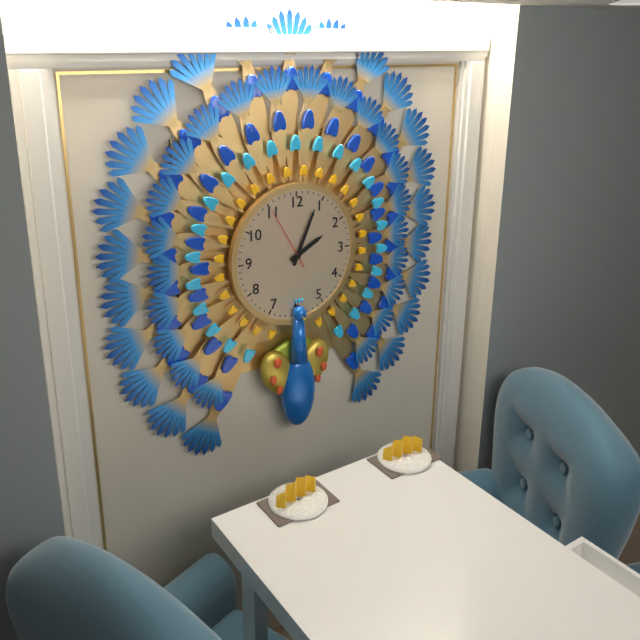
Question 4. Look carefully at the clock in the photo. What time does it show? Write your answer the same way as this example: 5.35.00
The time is 2.04.55
